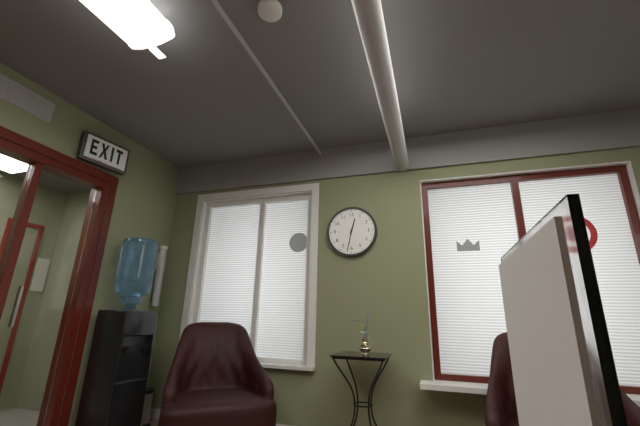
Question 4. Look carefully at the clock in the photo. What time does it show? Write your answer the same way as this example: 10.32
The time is 12.32
